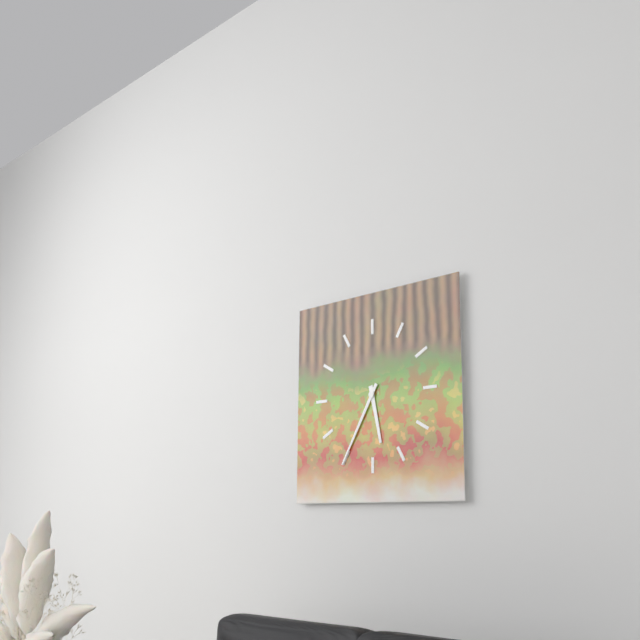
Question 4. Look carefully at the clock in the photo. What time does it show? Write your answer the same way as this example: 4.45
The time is 5.35
